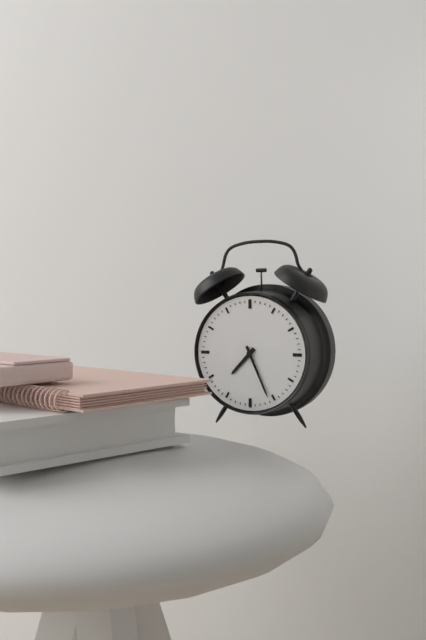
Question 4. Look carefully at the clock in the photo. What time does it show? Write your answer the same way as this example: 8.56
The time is 7.26
